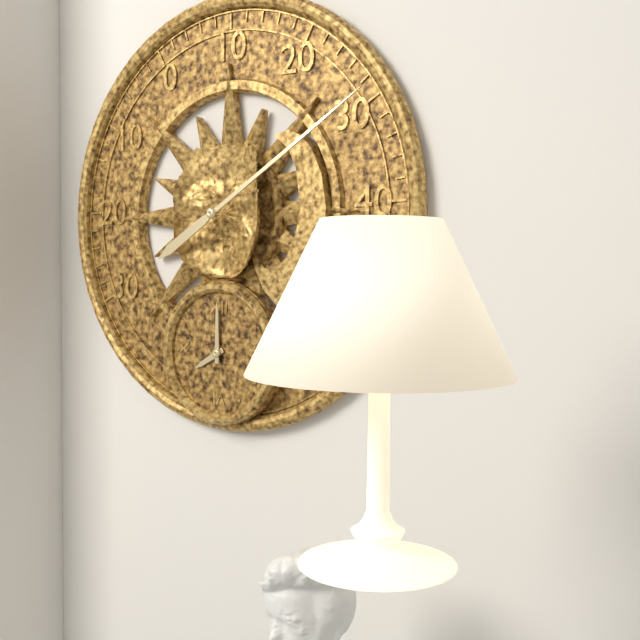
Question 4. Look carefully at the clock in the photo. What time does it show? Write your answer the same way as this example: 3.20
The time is 8.00
